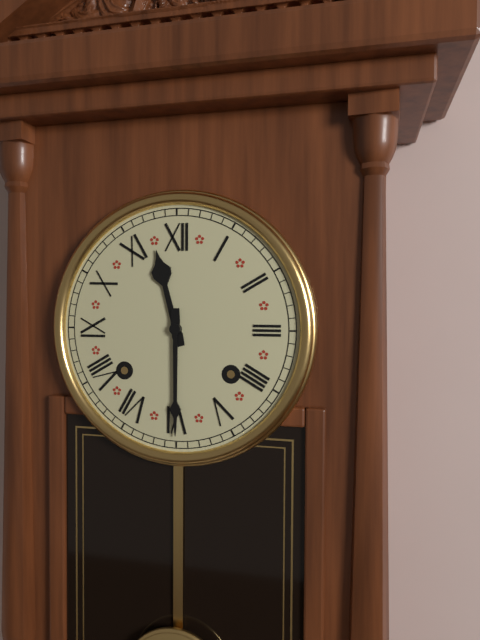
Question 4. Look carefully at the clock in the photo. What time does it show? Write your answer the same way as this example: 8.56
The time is 11.30
